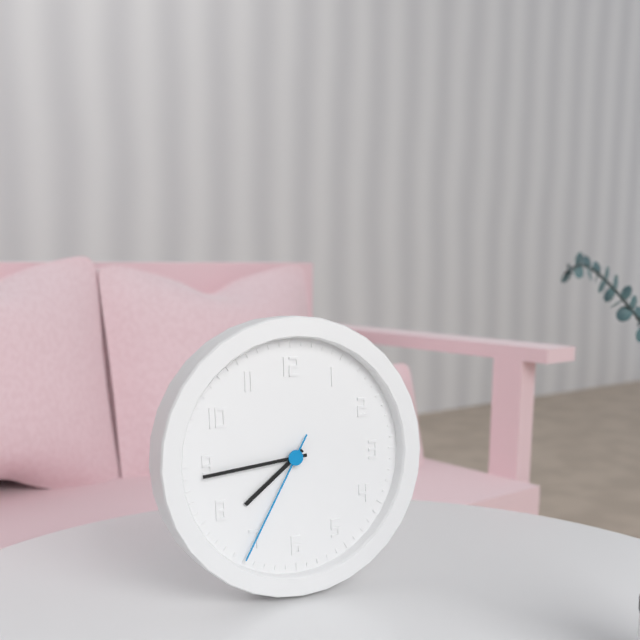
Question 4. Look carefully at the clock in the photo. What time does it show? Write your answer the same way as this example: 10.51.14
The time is 7.44.35
